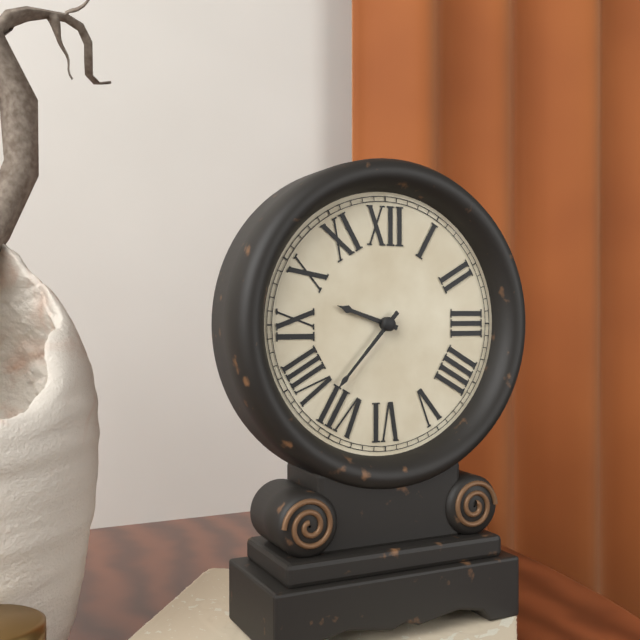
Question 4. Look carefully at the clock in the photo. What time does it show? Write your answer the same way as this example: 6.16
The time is 9.37
